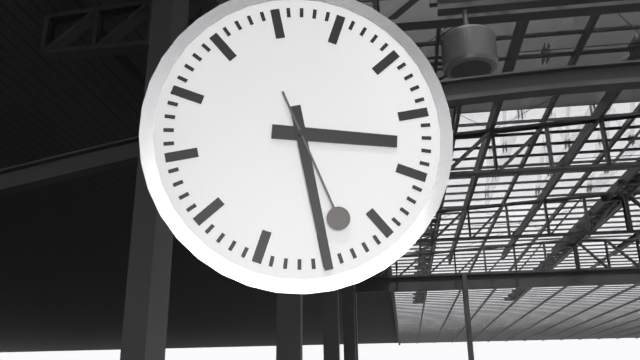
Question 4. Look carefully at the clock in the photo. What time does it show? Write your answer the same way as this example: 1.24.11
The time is 3.30.28
